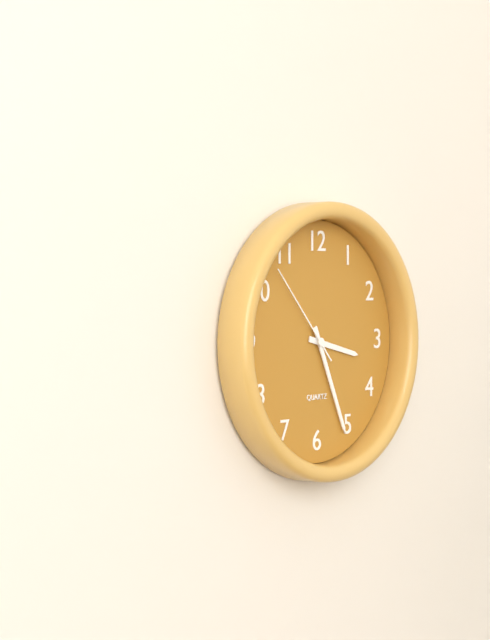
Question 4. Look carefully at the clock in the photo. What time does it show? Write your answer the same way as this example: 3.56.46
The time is 3.26.53
